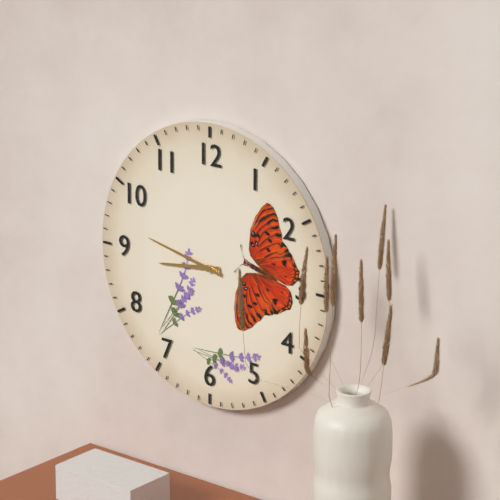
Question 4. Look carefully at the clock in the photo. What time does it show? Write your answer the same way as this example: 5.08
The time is 8.47
